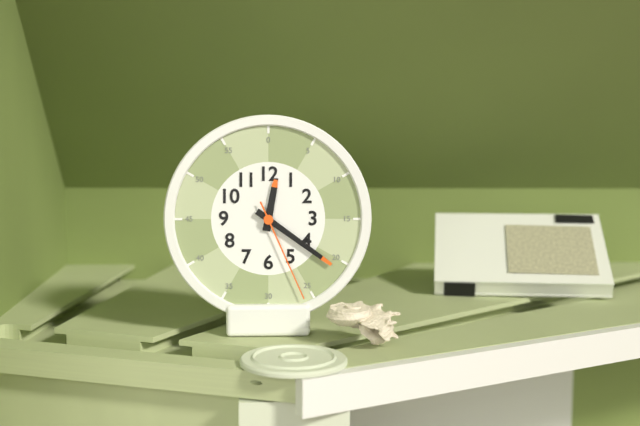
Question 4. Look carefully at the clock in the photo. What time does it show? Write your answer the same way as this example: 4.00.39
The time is 12.21.26
